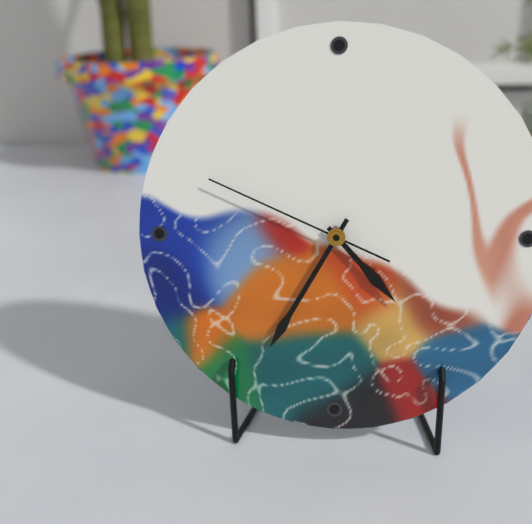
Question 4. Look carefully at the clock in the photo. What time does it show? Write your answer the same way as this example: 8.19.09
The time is 4.35.49
